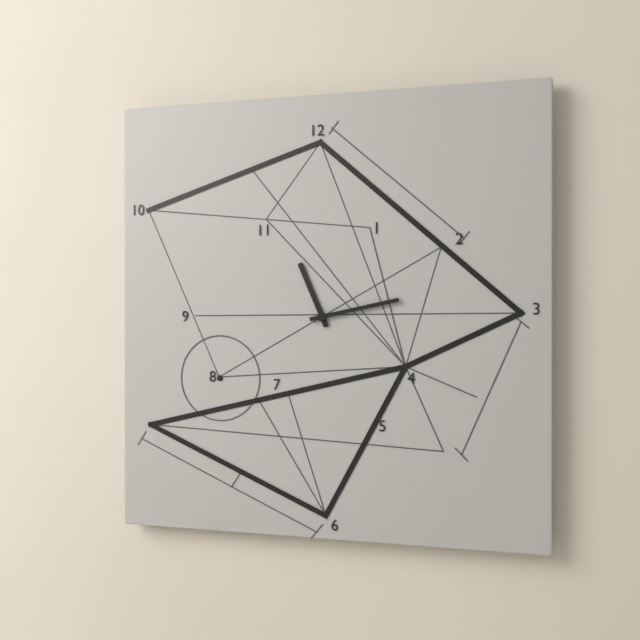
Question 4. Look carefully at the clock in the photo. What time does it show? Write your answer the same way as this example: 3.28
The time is 11.13
